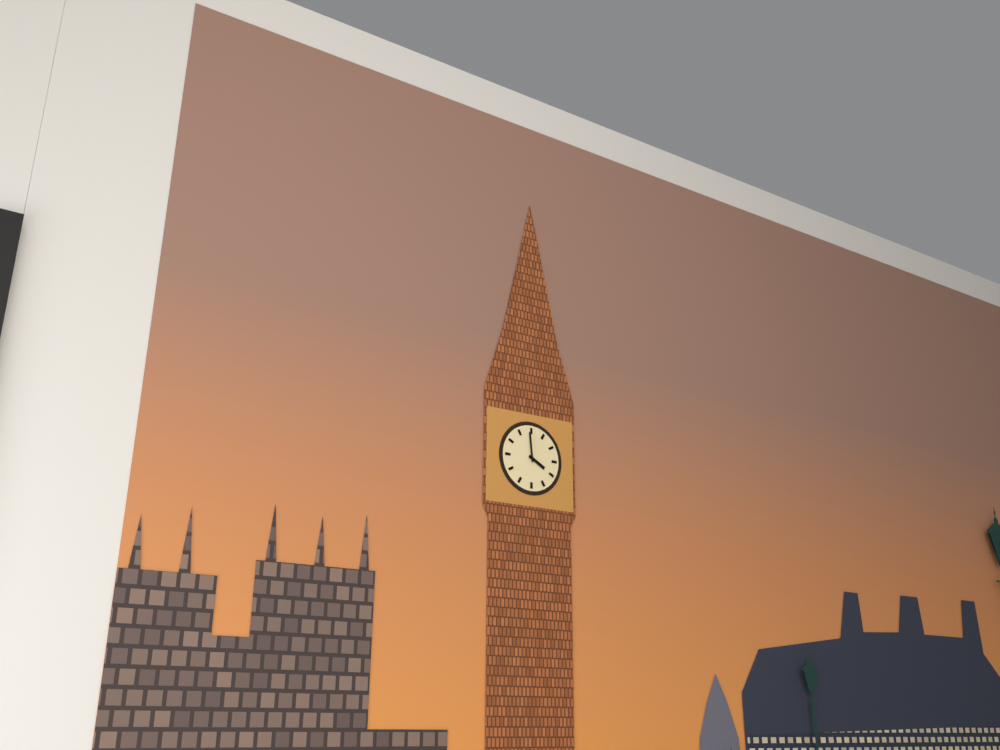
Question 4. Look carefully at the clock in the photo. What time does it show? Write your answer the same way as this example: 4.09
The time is 3.59
